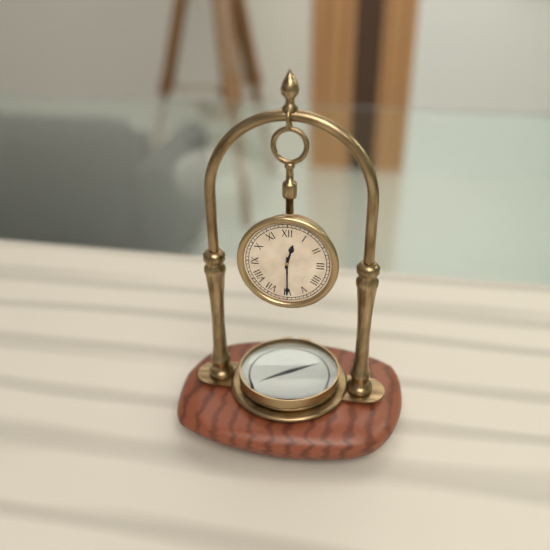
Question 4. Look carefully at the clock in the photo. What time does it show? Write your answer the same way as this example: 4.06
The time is 12.30
